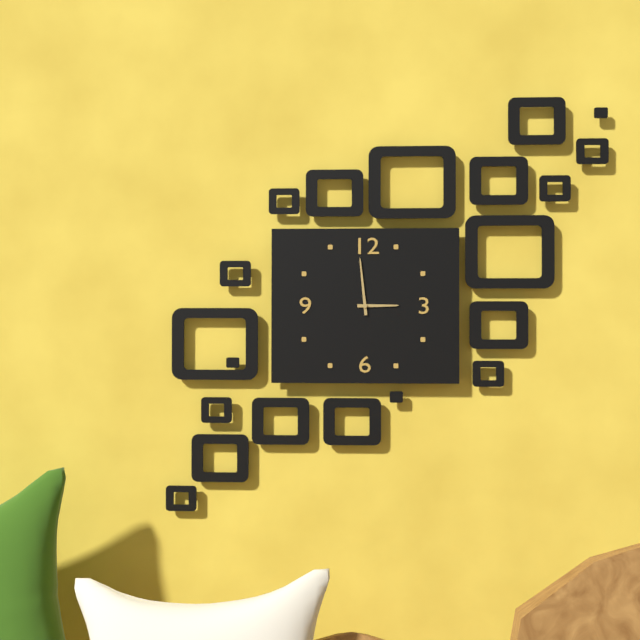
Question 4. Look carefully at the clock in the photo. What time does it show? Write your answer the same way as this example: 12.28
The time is 2.59
